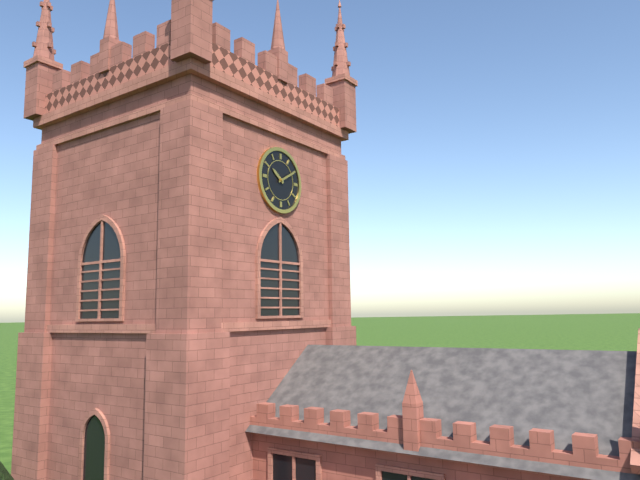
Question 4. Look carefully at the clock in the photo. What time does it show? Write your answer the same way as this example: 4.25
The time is 10.10
